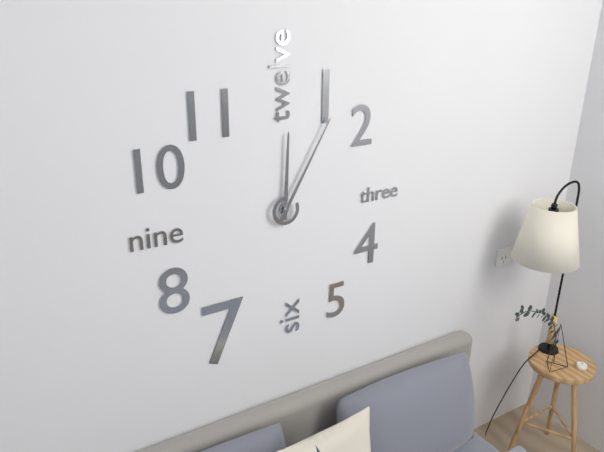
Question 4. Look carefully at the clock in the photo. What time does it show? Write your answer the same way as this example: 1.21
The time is 12.05
